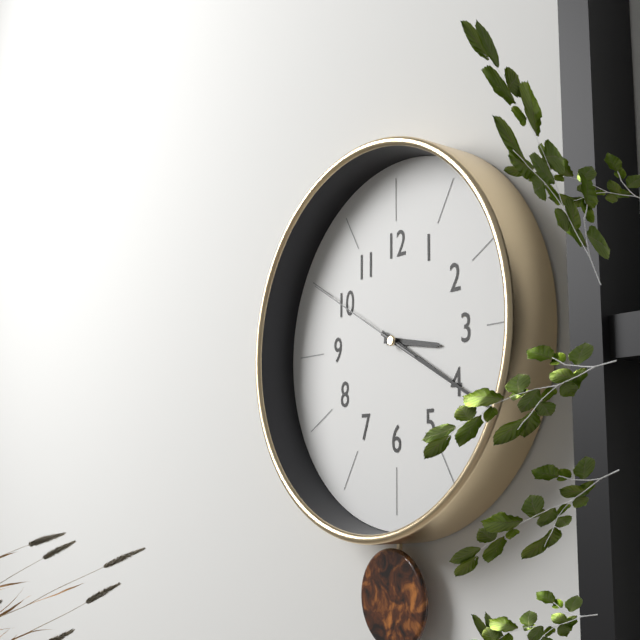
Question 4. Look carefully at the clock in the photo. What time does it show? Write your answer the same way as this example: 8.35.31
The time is 3.20.50
